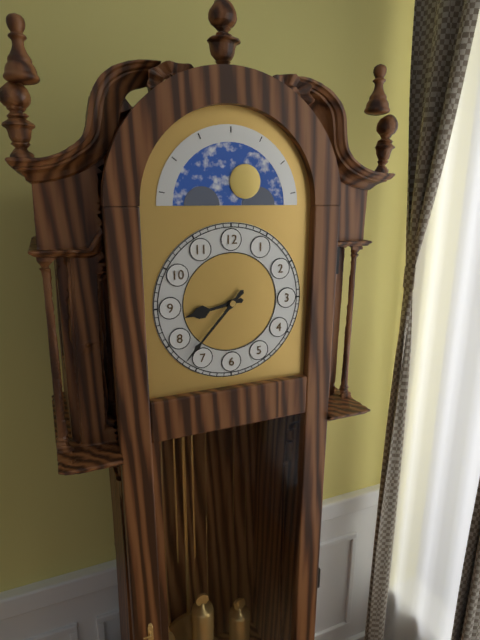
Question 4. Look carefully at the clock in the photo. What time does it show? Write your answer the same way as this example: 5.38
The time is 8.37
